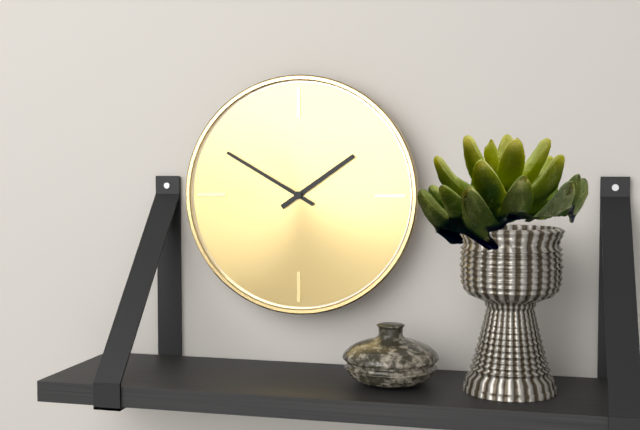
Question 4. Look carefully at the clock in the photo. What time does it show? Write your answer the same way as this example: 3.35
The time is 1.50
